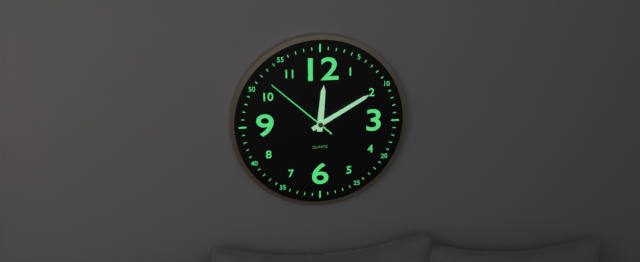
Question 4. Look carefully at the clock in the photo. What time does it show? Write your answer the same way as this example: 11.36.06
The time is 12.10.52
